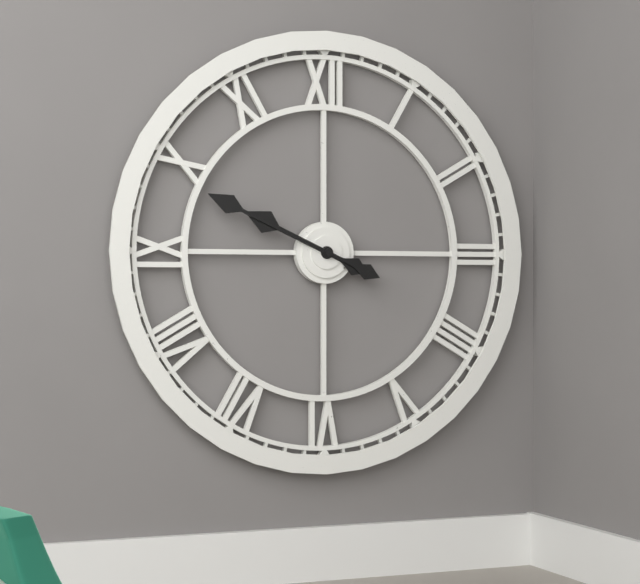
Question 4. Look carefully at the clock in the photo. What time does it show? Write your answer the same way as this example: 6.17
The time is 9.49
